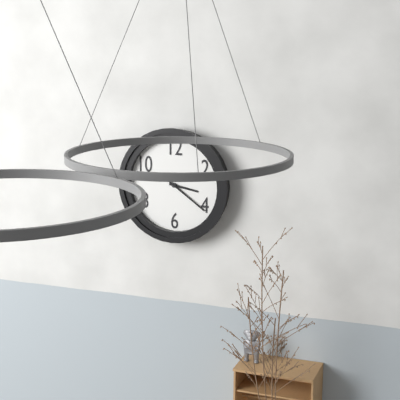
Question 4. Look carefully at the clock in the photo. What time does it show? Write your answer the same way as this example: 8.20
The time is 3.21
